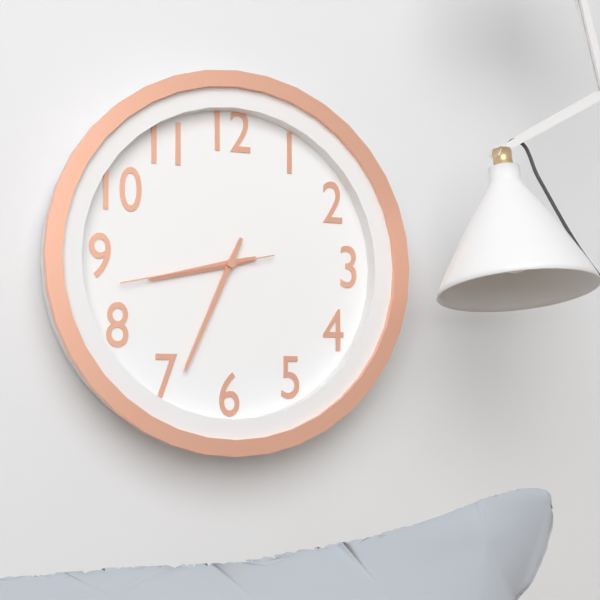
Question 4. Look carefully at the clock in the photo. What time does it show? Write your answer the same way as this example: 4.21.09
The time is 8.34.43
